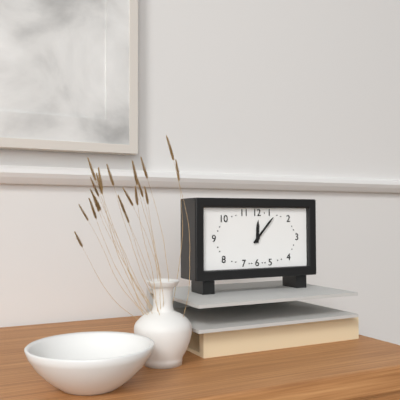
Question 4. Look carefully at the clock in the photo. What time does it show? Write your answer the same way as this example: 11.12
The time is 12.07
